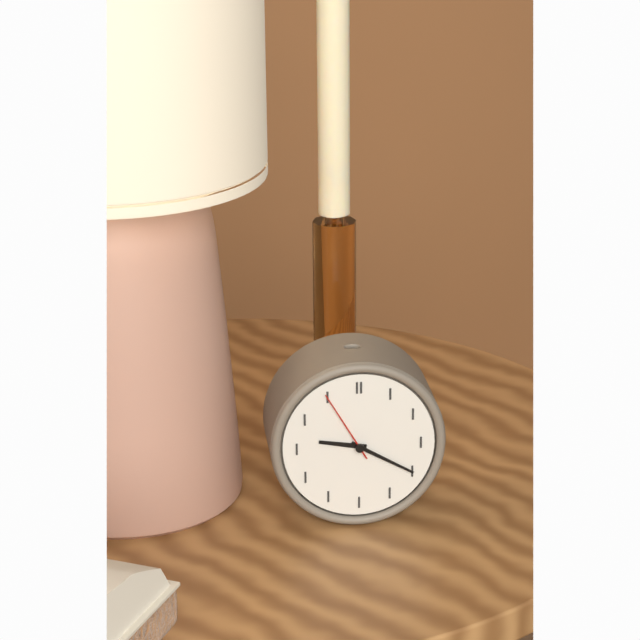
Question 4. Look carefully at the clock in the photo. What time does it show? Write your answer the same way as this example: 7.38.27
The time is 9.20.55
